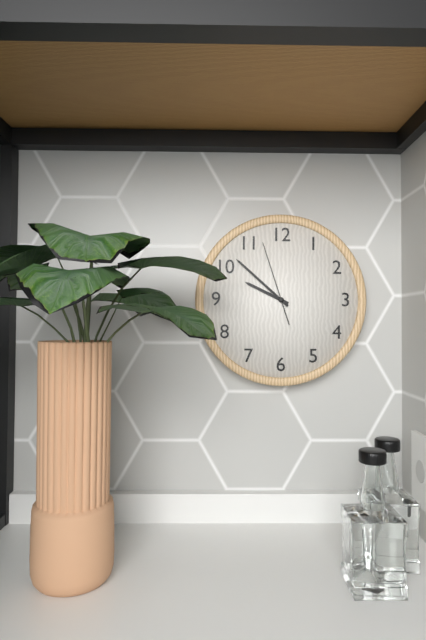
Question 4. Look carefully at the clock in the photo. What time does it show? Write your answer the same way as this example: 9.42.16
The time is 9.52.57
